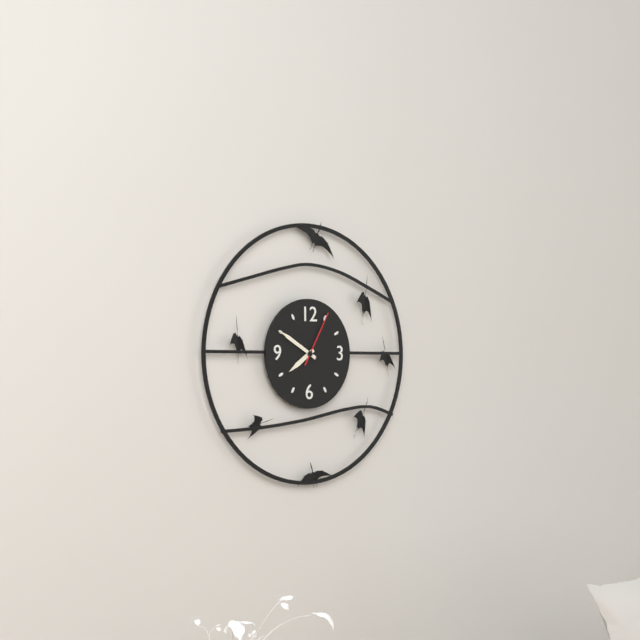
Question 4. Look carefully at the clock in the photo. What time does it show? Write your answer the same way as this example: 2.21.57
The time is 7.50.05
